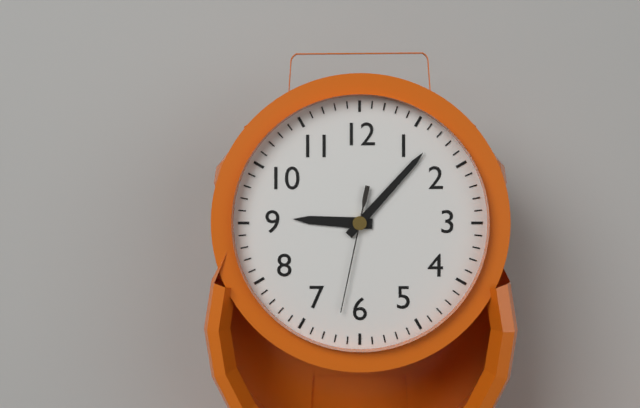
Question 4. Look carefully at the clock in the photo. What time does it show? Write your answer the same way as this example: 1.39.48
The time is 9.07.32
